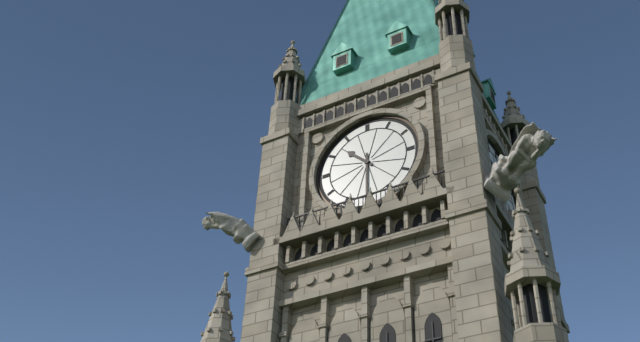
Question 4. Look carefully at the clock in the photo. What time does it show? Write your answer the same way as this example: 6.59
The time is 10.30
